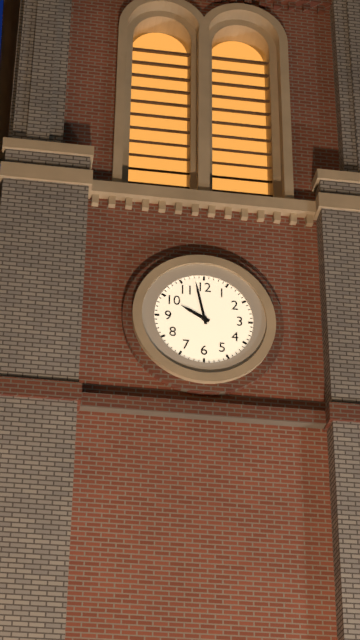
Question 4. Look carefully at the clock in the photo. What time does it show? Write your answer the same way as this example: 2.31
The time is 9.58
